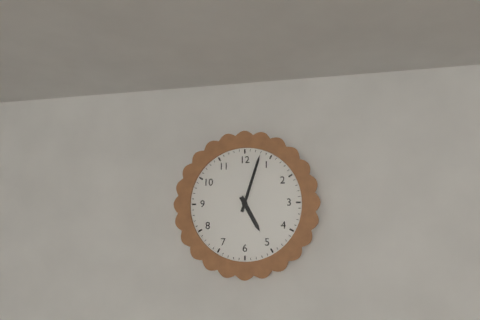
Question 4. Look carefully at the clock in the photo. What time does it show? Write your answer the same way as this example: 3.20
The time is 5.03
